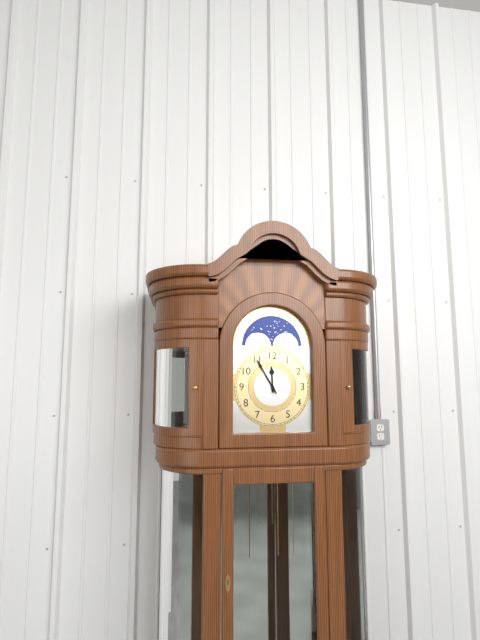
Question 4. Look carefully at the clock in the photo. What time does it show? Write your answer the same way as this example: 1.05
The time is 11.55
